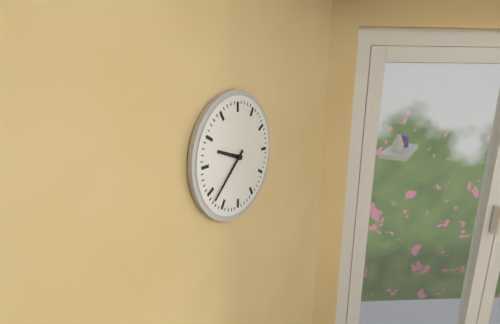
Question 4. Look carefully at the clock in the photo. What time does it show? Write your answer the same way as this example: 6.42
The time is 9.38
